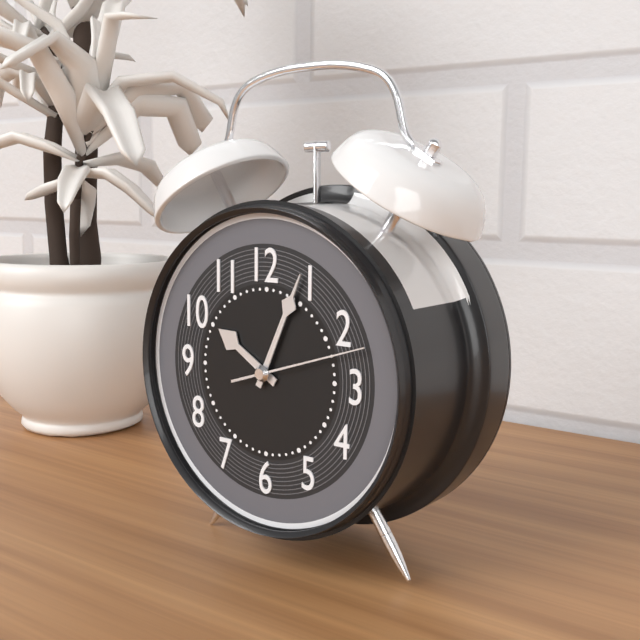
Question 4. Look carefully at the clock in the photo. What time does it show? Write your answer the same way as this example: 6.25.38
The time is 10.04.12
